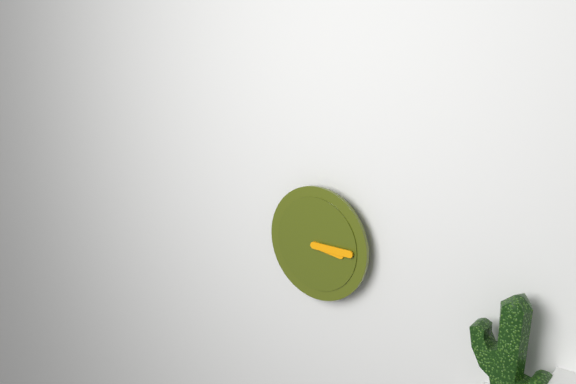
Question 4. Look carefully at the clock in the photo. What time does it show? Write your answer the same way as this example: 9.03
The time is 3.15
